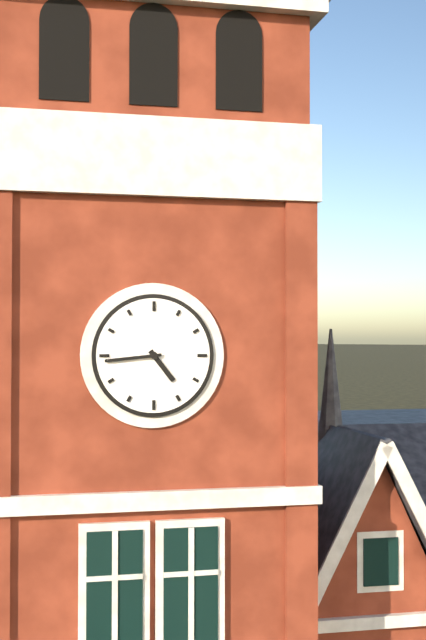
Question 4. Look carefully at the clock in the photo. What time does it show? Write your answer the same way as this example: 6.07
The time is 4.44
